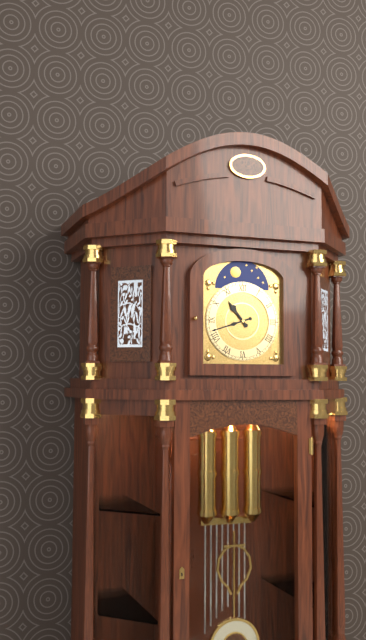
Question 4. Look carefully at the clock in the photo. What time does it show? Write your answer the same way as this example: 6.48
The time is 10.42
